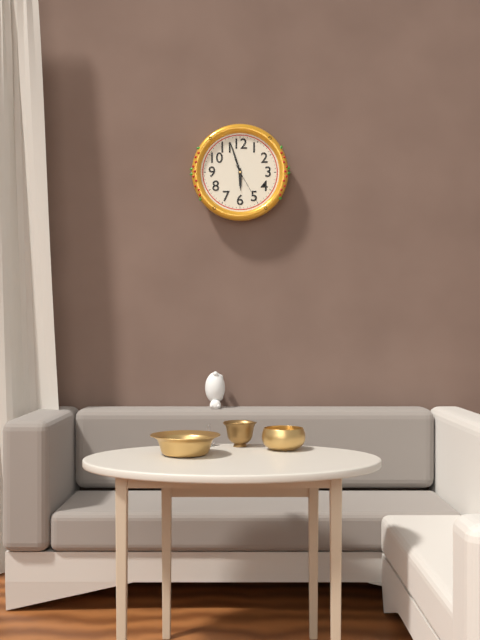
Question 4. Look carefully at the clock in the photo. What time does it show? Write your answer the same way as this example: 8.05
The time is 5.57
